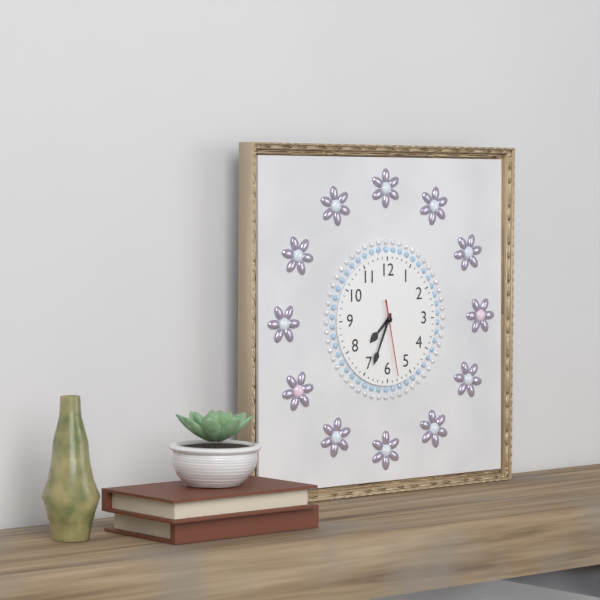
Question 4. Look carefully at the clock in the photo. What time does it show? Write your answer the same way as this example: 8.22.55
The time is 7.34.28
